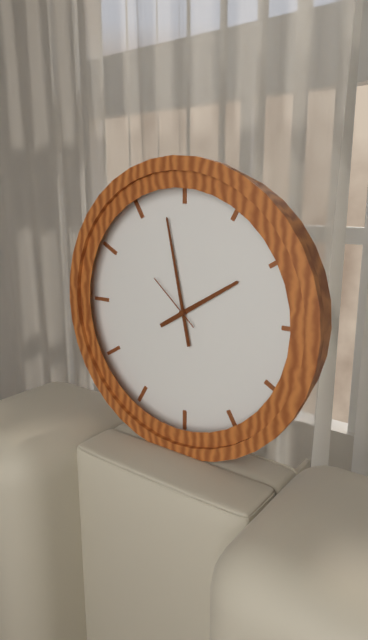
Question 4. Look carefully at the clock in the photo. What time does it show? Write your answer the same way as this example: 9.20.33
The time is 1.58.52
